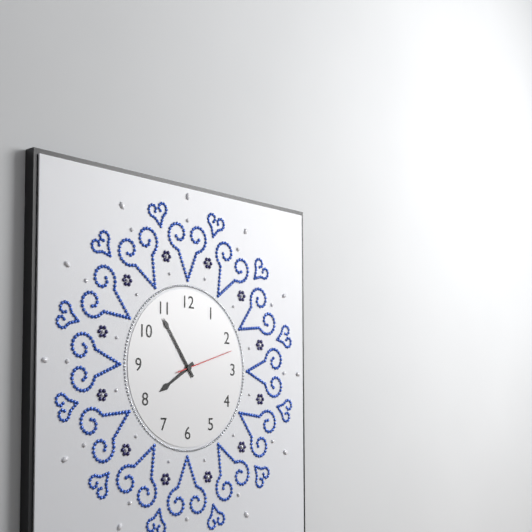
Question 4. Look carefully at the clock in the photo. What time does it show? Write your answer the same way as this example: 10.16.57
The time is 7.54.12
